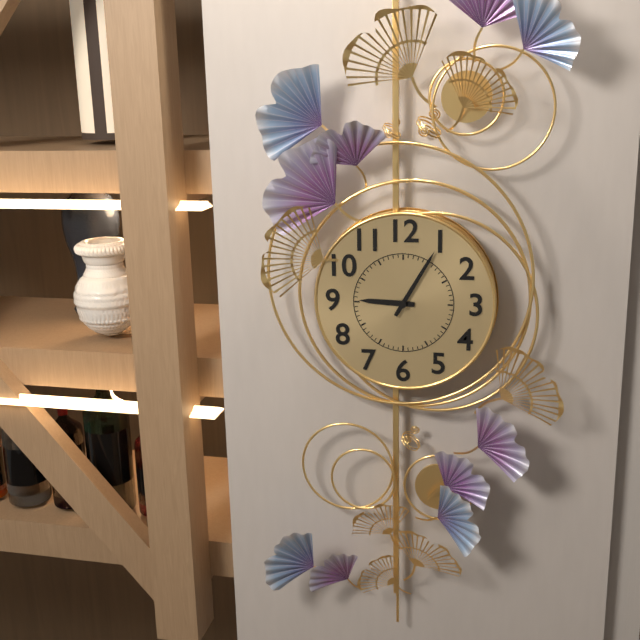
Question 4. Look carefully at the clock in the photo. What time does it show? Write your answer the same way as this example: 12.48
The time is 9.05
